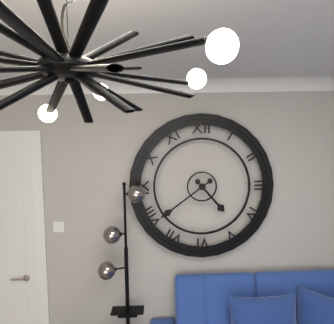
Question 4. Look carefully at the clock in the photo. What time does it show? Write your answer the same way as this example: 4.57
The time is 4.39
